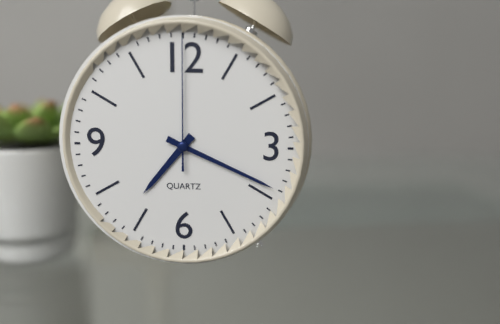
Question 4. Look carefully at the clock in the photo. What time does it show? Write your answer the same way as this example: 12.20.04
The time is 7.19.00
